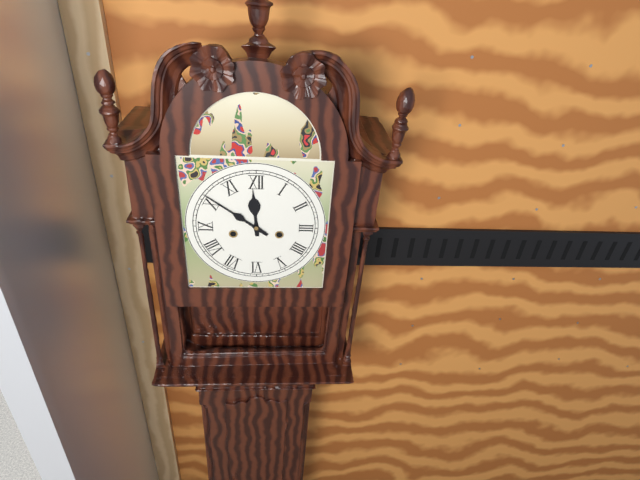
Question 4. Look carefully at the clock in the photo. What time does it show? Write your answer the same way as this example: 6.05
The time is 11.51
